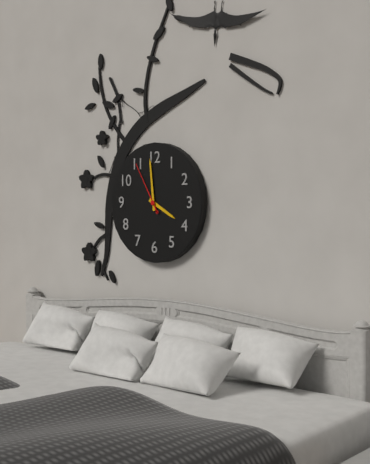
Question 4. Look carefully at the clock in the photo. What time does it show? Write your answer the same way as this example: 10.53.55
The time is 3.59.55
